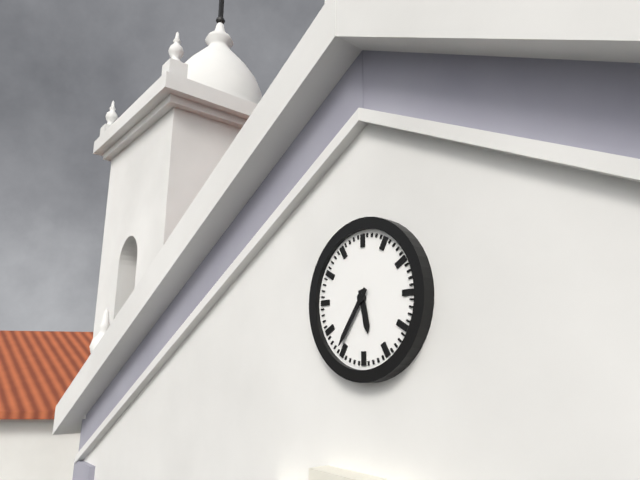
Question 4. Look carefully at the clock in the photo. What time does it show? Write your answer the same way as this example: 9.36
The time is 5.36
